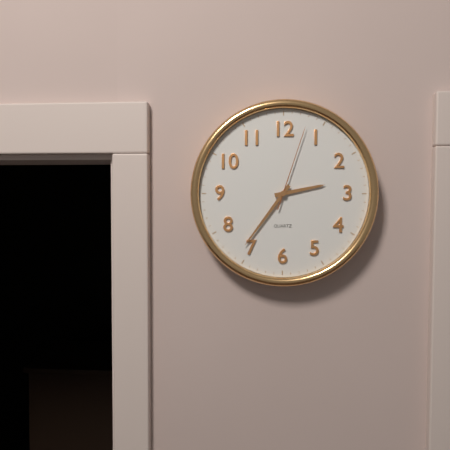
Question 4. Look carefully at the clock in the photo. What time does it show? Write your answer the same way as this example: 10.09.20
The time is 2.36.03
